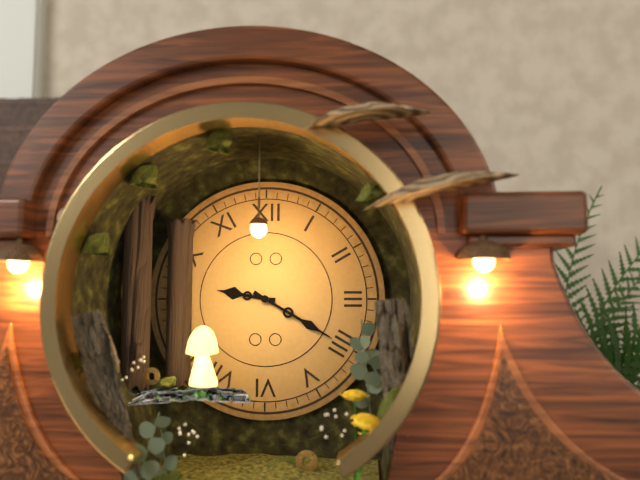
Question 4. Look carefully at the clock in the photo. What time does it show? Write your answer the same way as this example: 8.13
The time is 9.20
